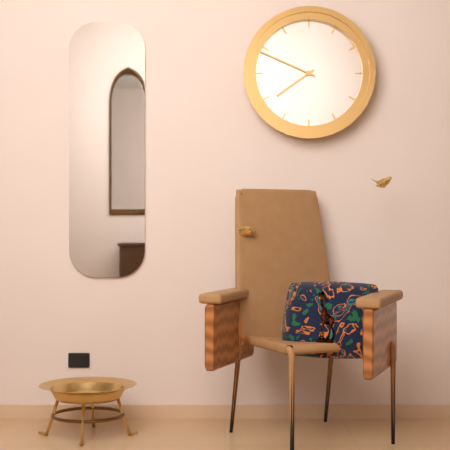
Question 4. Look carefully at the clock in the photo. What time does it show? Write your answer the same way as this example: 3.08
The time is 7.49
